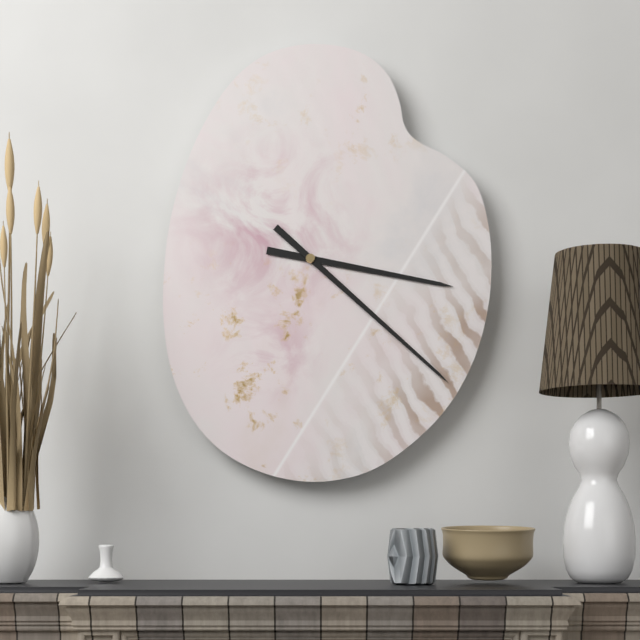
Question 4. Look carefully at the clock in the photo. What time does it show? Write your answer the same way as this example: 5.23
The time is 3.22
